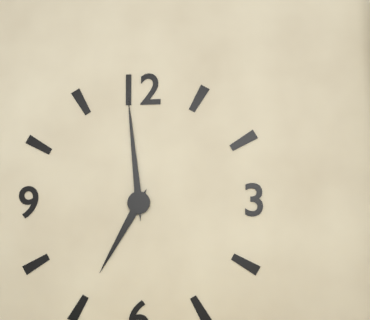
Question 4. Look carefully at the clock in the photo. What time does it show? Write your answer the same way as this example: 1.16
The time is 6.59
